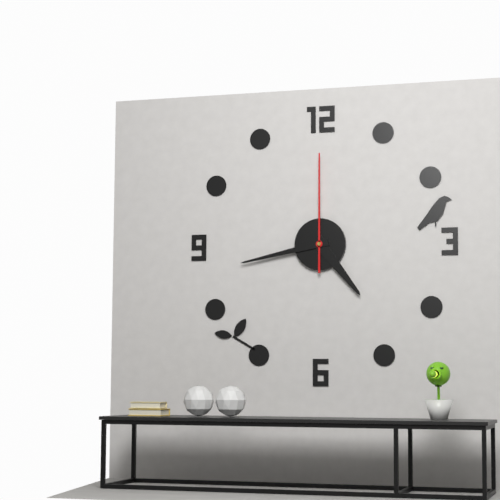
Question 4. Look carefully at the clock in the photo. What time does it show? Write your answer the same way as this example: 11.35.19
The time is 4.43.00
